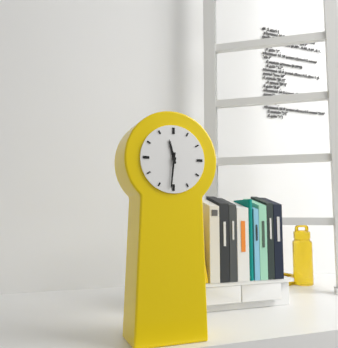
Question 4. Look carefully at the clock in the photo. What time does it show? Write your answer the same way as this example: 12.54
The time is 11.31
